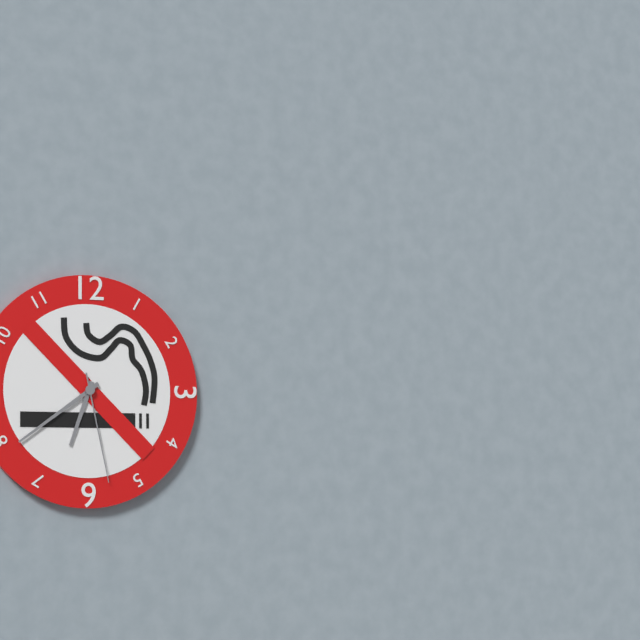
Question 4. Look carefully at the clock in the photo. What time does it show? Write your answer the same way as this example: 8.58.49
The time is 6.39.28
